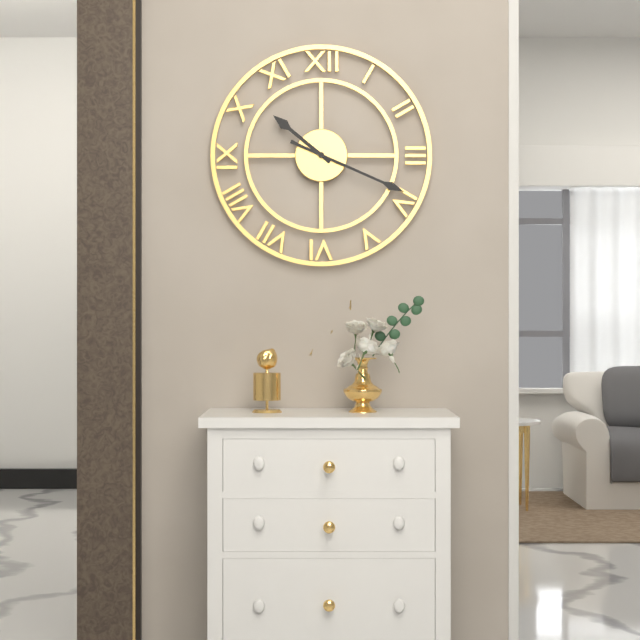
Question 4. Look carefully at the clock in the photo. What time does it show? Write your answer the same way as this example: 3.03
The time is 10.19
